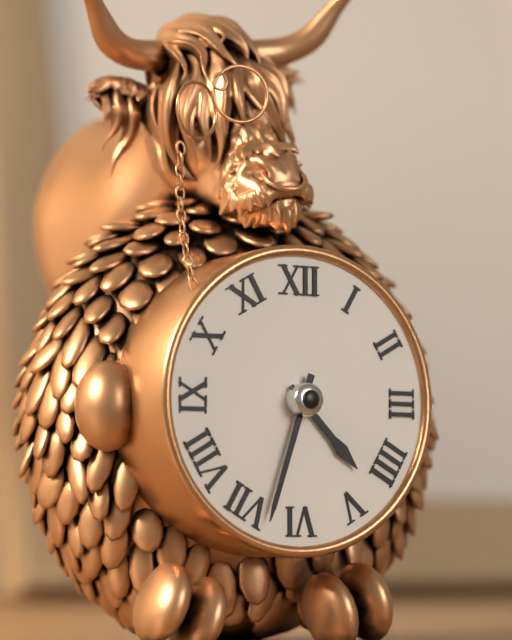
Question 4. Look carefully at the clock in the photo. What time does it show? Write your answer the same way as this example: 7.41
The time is 4.33
